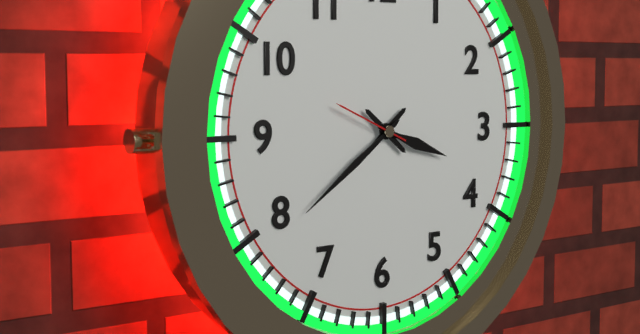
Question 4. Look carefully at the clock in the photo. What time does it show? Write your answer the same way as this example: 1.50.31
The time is 3.39.49
